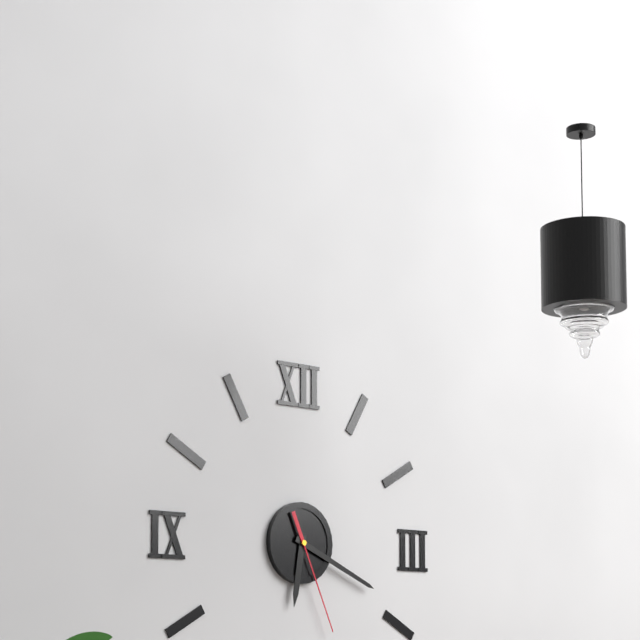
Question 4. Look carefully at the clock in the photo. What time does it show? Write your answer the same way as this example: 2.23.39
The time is 6.19.26
